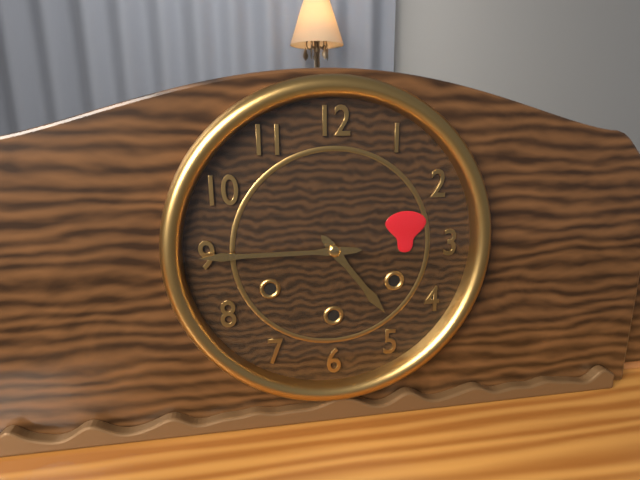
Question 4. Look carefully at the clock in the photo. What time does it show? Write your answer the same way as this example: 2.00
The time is 4.45
